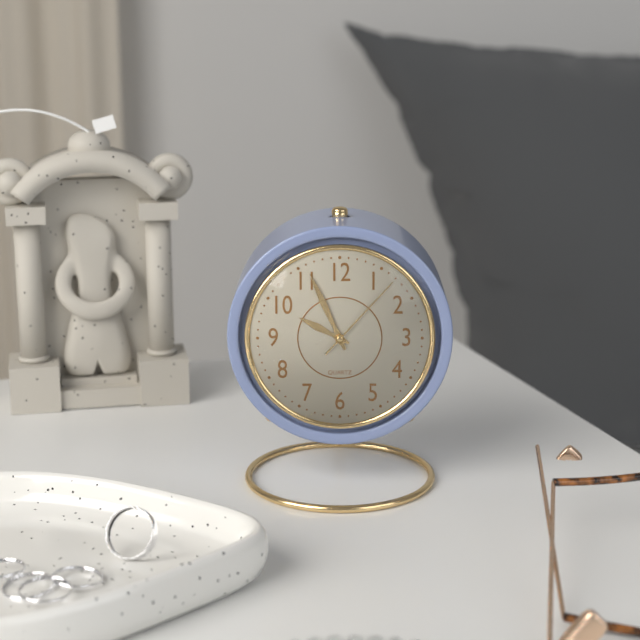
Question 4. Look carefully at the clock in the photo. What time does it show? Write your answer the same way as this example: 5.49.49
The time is 9.56.07
